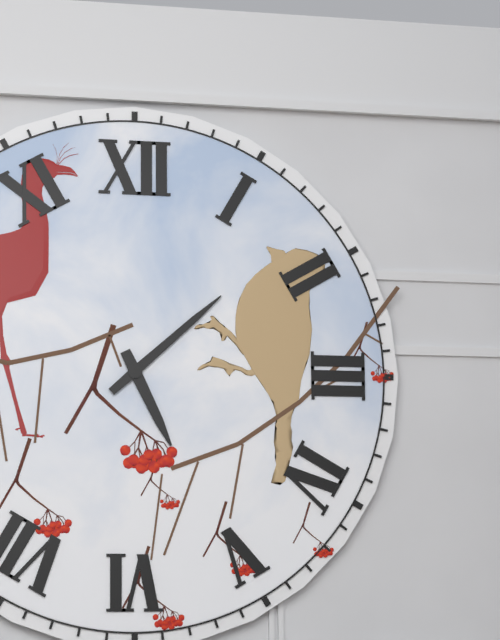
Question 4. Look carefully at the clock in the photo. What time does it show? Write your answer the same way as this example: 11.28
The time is 5.08
